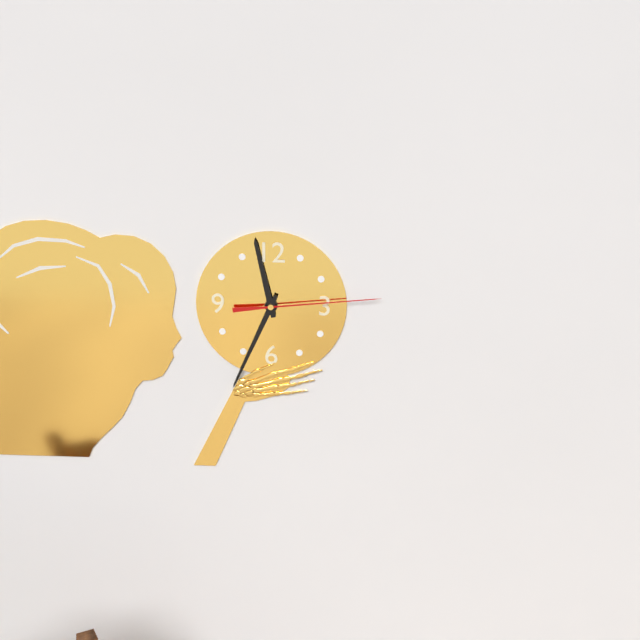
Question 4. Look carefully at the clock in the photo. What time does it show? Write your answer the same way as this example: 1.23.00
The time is 11.34.14
